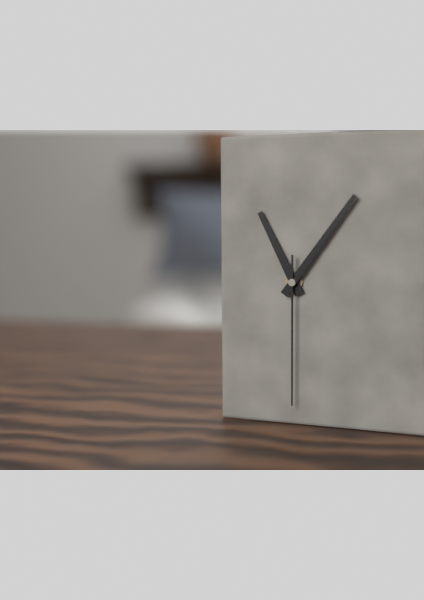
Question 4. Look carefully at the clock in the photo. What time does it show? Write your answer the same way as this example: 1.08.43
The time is 11.06.30
